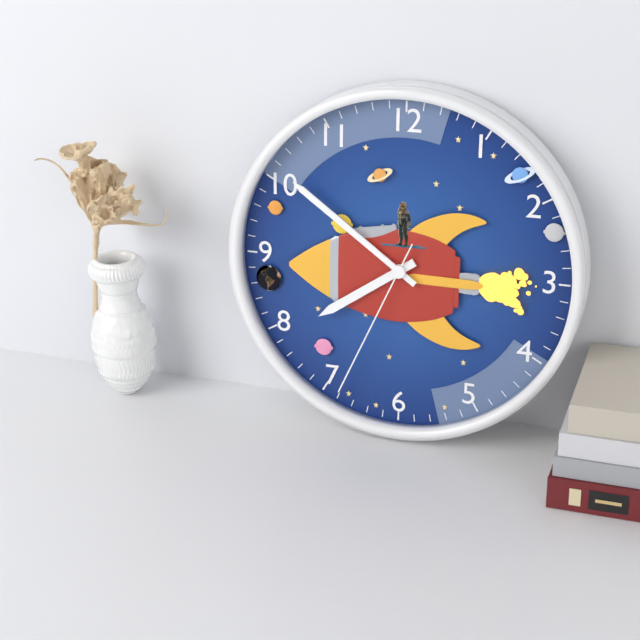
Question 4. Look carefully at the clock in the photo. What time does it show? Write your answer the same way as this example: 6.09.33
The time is 7.51.34
